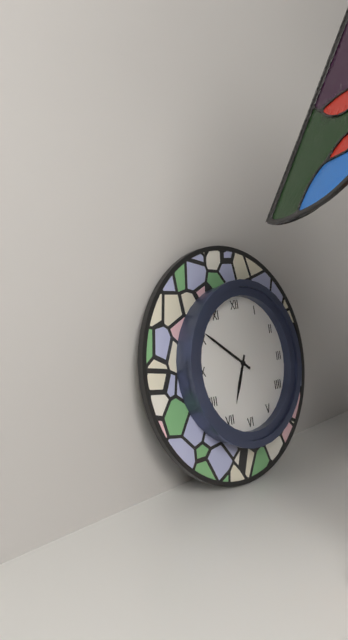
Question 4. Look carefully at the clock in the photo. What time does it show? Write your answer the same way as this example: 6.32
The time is 6.51
